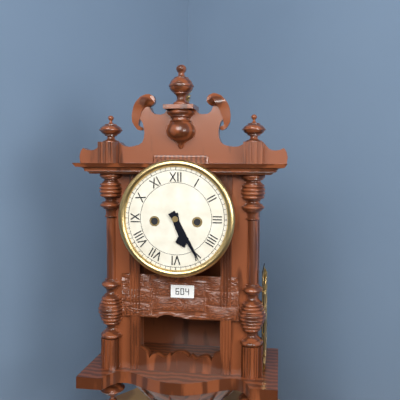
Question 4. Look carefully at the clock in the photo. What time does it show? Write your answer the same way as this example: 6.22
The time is 5.25
